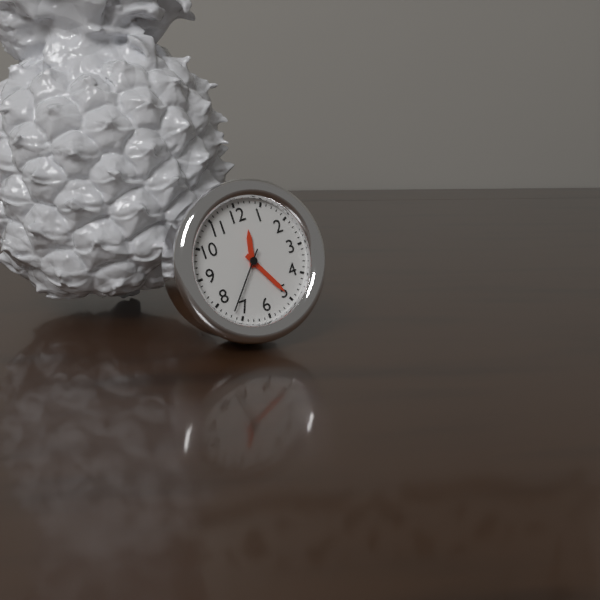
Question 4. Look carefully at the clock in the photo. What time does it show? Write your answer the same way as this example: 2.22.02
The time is 12.25.37
